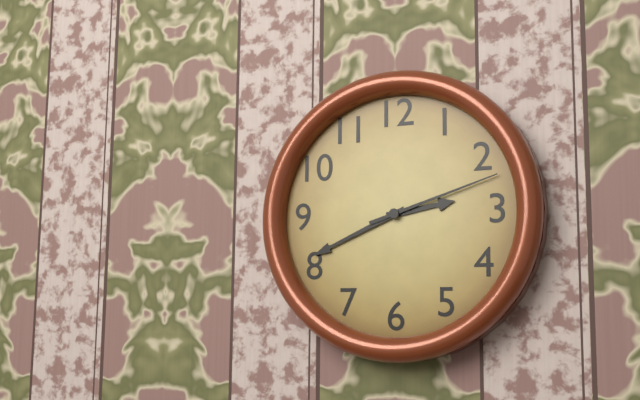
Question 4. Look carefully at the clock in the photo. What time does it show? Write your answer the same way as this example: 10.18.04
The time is 2.41.12
